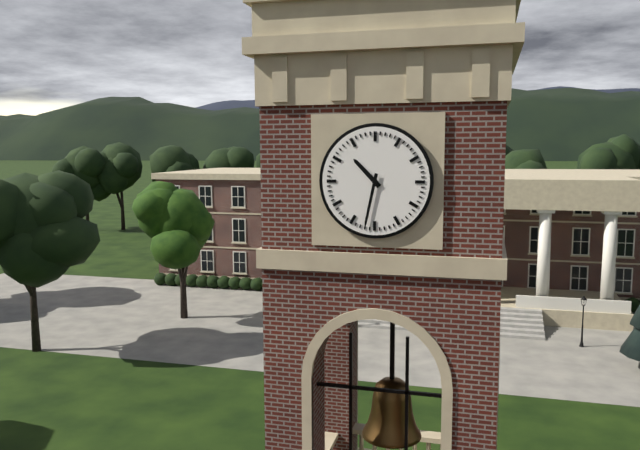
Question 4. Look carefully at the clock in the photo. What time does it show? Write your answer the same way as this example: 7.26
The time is 10.32
